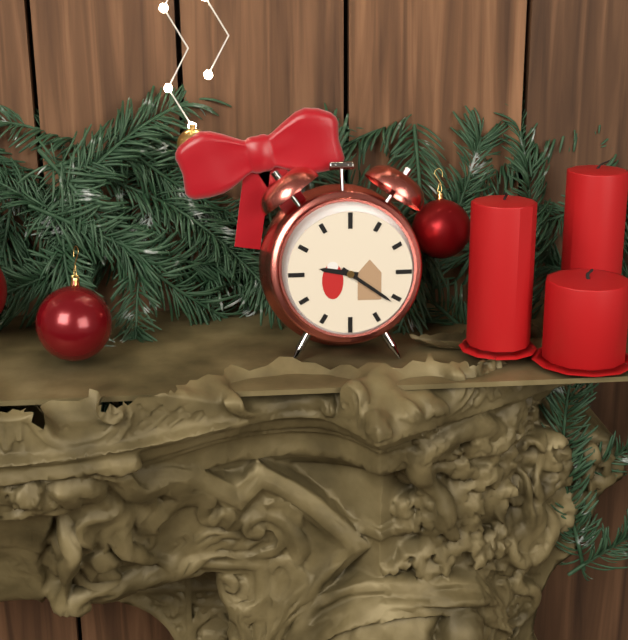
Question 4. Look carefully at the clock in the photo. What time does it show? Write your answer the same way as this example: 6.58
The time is 9.21
